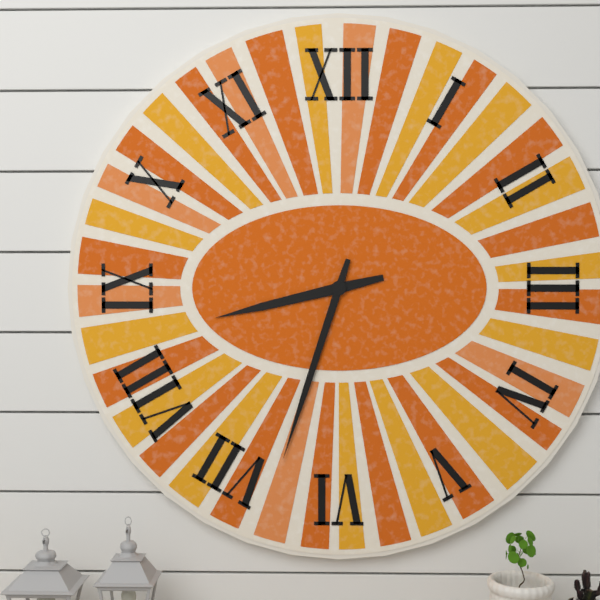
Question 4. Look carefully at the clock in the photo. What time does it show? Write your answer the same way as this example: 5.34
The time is 8.33
